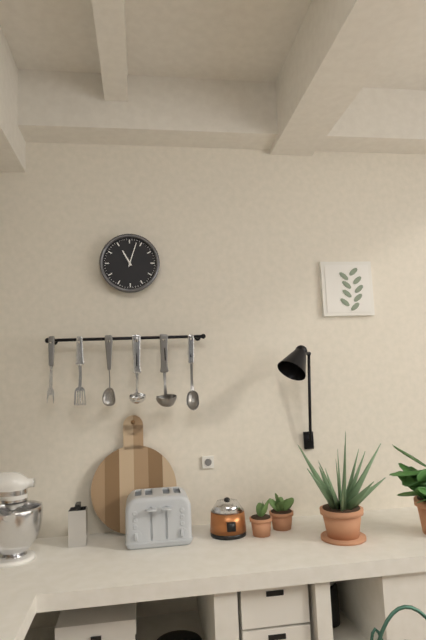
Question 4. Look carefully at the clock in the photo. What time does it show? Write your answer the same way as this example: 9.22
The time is 11.03
